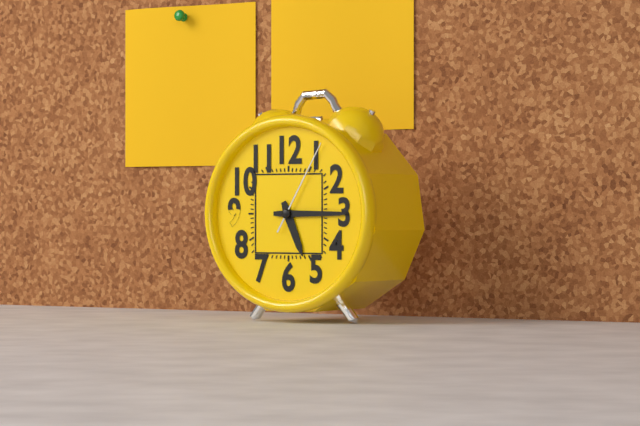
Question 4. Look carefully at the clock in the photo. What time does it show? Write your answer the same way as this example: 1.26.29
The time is 5.15.05
